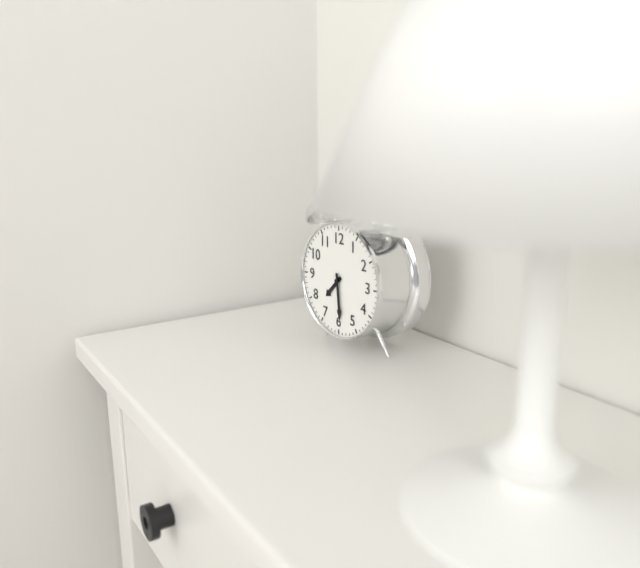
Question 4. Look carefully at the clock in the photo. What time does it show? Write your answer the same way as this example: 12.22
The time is 7.29
